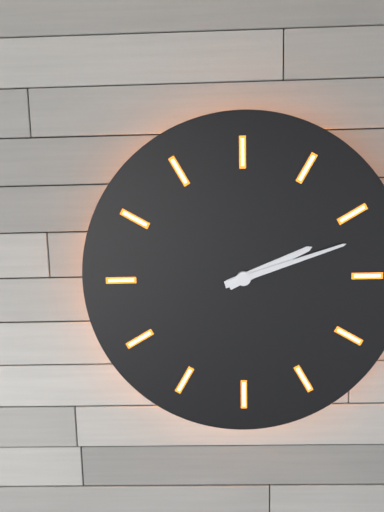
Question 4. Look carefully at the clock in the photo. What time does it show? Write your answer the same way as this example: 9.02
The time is 2.12
